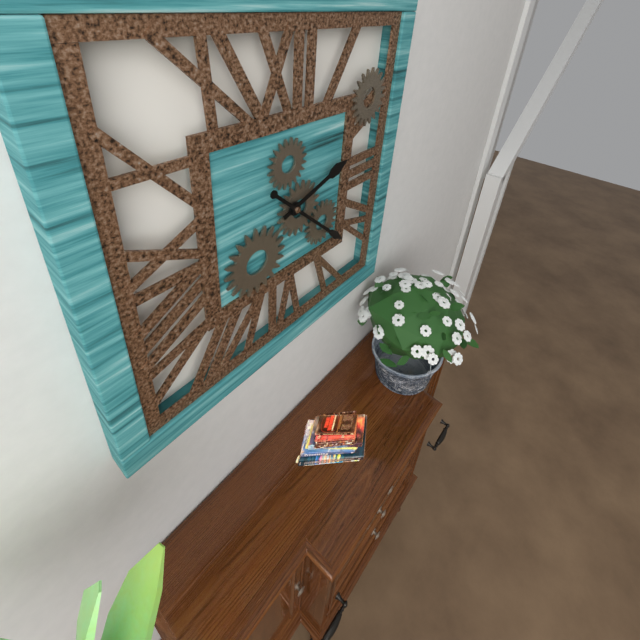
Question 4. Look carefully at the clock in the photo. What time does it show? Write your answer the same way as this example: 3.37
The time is 2.22
